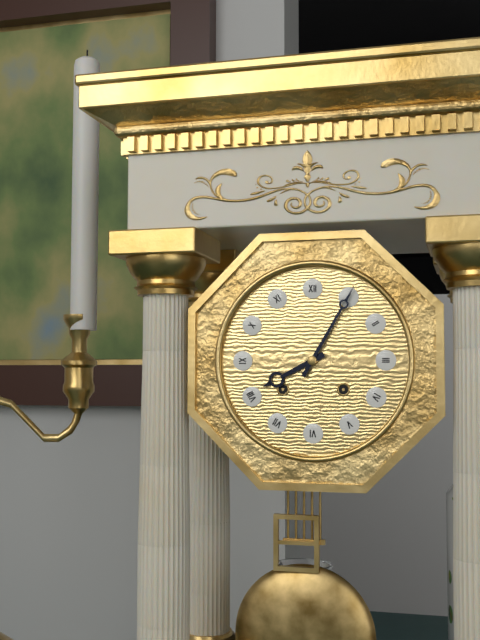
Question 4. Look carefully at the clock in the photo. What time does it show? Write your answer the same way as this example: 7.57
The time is 8.05
